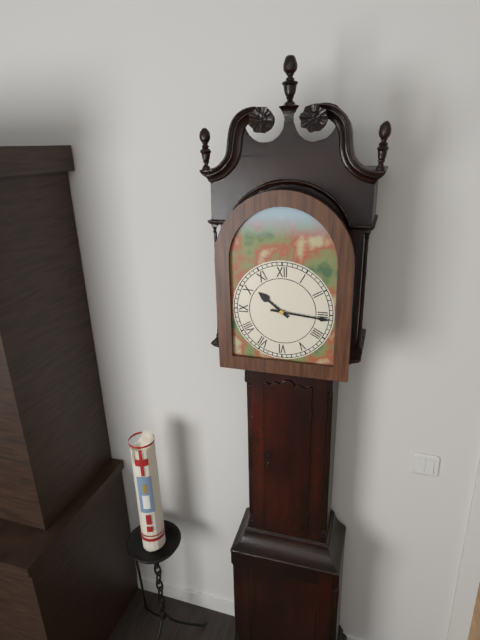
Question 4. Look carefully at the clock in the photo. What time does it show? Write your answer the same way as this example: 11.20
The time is 10.16
